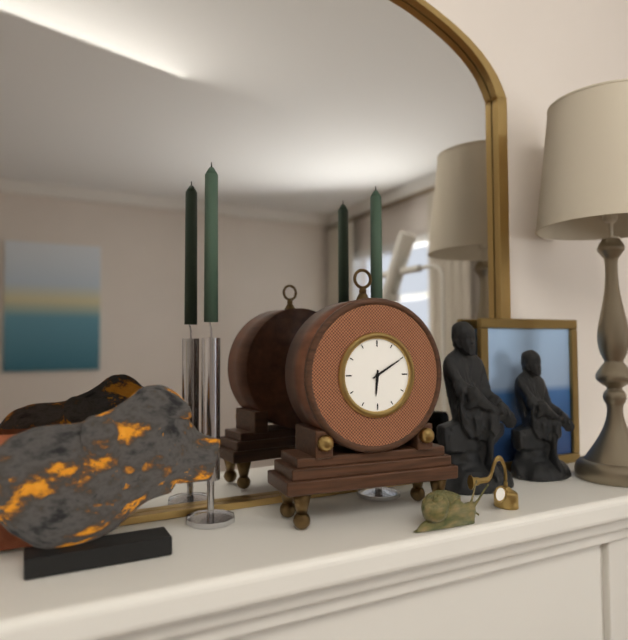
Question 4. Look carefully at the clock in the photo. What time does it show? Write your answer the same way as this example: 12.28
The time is 6.10
